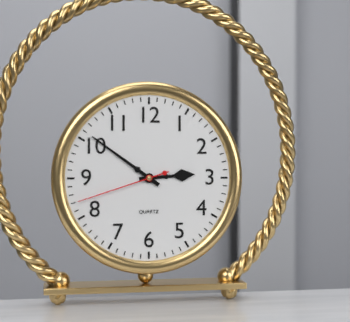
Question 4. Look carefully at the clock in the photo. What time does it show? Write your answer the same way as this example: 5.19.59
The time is 2.51.42
